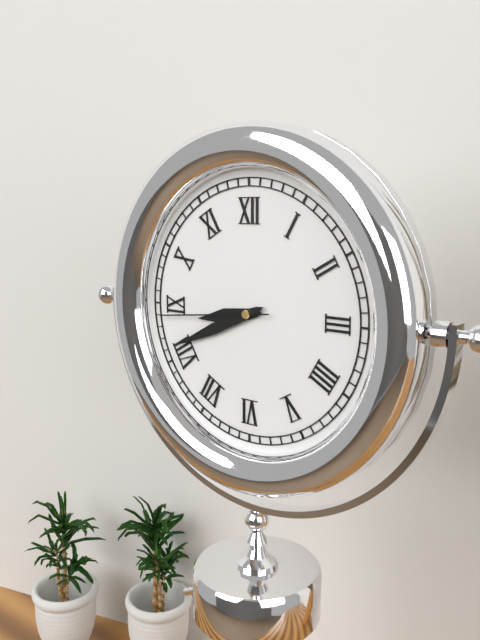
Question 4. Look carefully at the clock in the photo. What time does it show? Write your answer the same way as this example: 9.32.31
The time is 8.41.44
